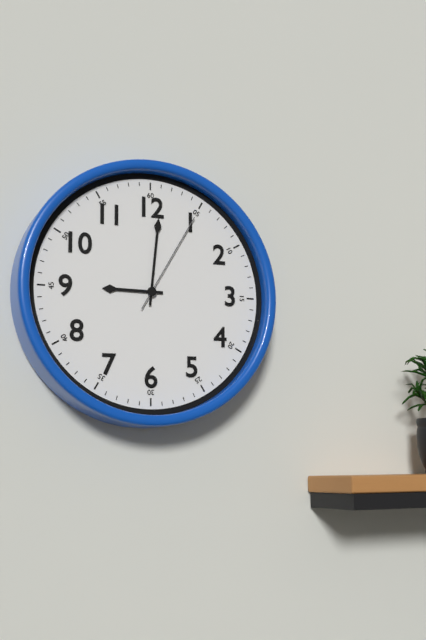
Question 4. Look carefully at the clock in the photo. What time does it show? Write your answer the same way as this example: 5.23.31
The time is 9.01.05
